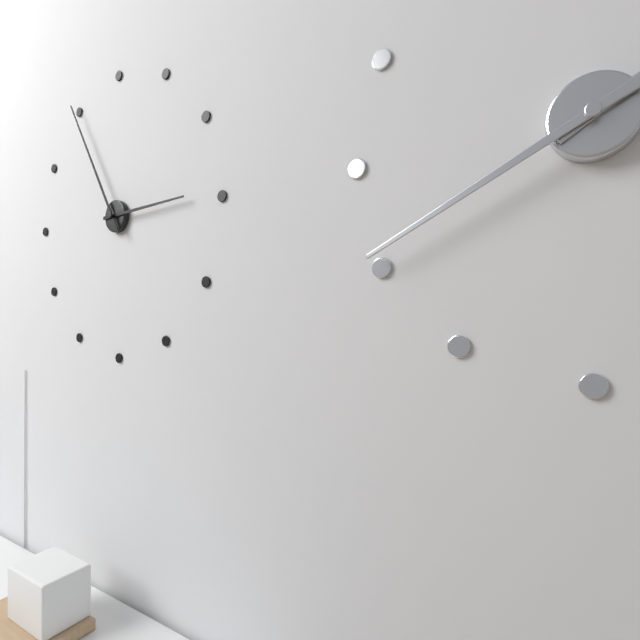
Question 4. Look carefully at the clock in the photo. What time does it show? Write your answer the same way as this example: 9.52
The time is 2.55
